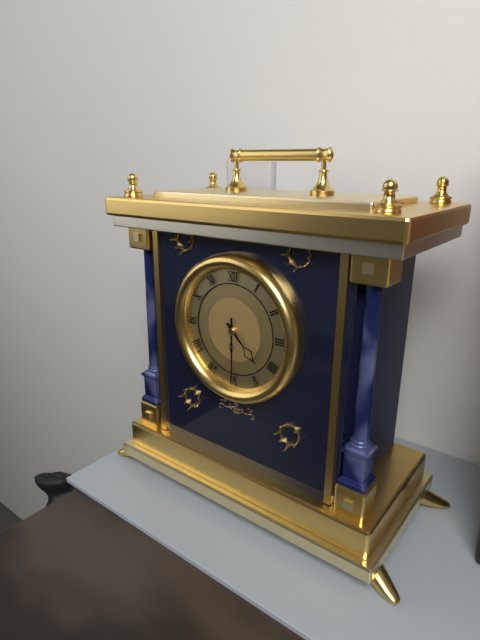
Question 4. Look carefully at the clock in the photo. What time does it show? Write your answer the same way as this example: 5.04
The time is 4.30
